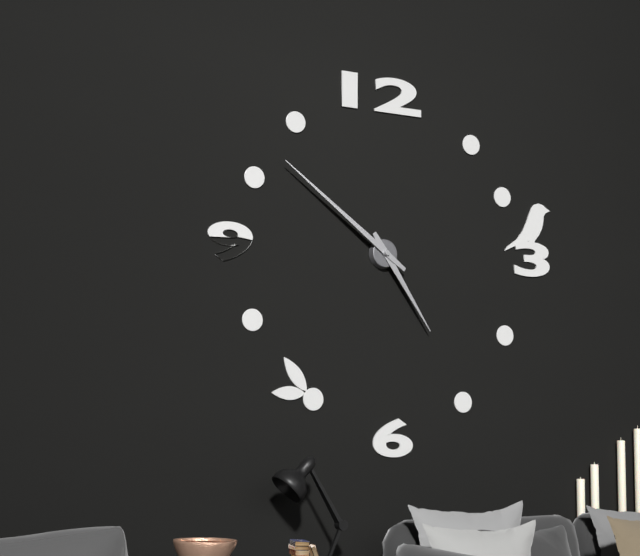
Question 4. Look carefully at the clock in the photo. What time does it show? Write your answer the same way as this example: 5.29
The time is 4.51
